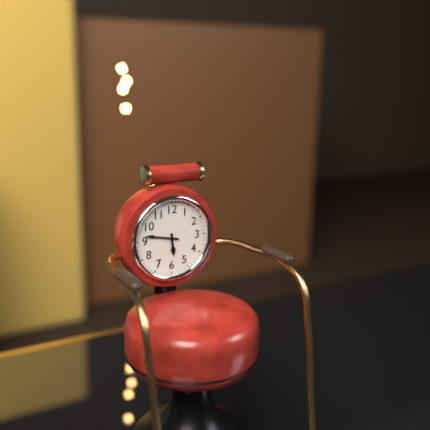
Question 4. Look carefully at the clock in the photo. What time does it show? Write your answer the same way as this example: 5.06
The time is 5.47
